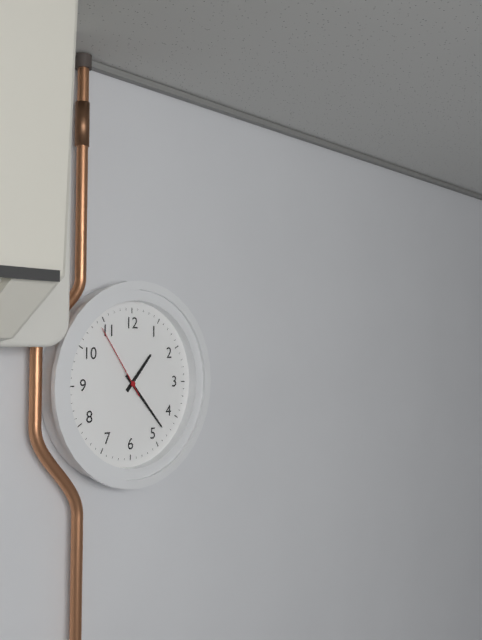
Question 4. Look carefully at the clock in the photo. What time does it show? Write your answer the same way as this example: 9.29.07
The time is 1.23.54
